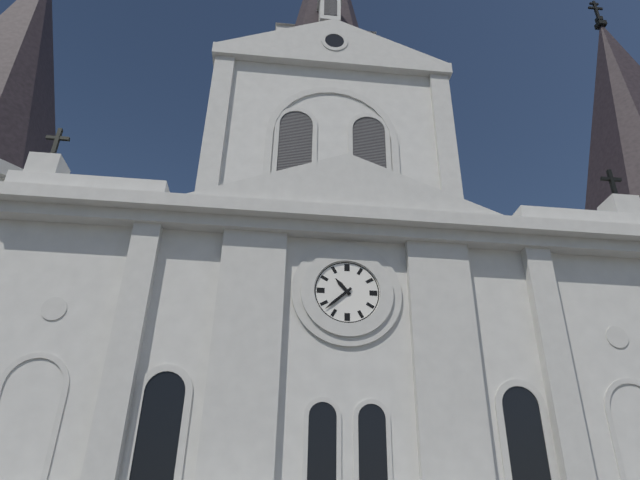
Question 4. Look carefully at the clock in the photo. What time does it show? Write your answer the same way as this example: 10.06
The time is 10.38
